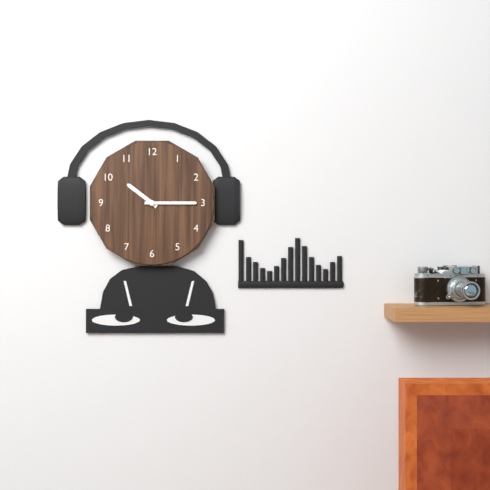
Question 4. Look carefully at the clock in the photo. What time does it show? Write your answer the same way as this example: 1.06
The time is 10.15
